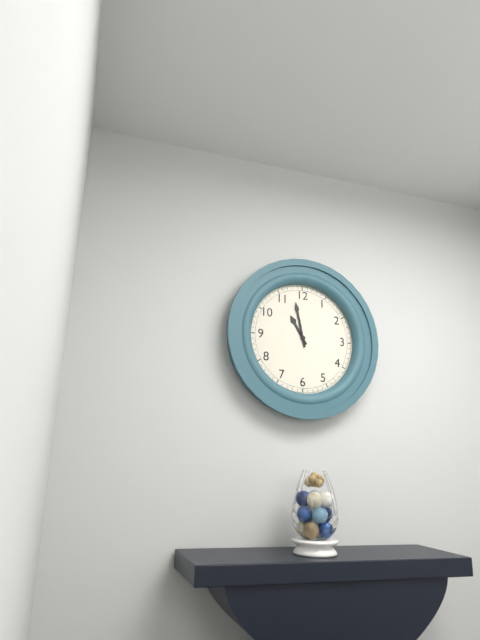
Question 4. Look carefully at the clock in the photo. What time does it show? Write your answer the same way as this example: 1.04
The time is 10.58
